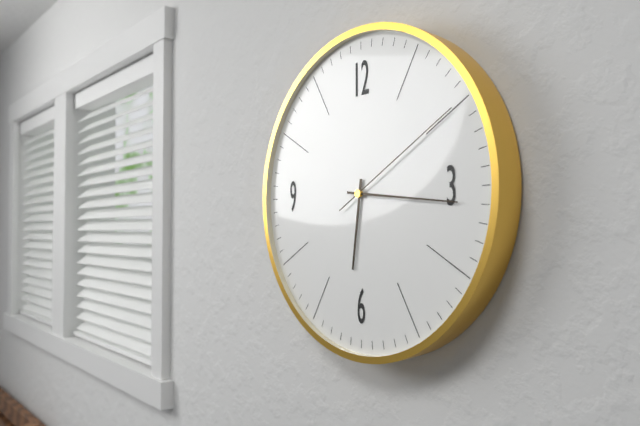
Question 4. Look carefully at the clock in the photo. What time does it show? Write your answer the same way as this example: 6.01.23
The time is 6.16.10
